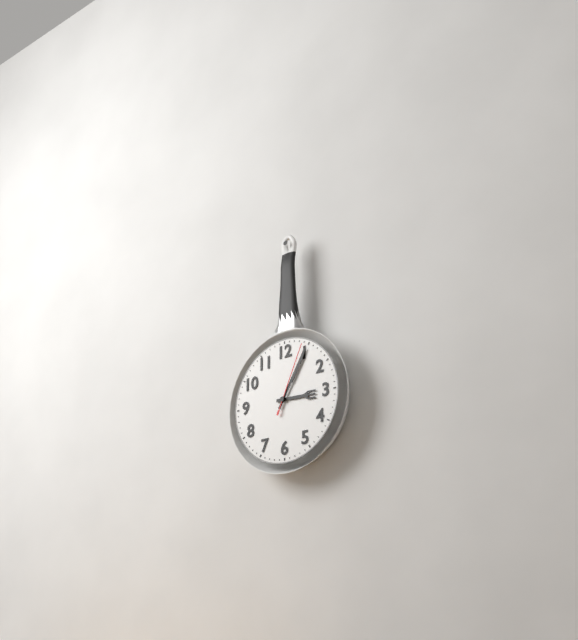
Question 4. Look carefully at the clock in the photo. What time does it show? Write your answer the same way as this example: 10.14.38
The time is 3.05.04
